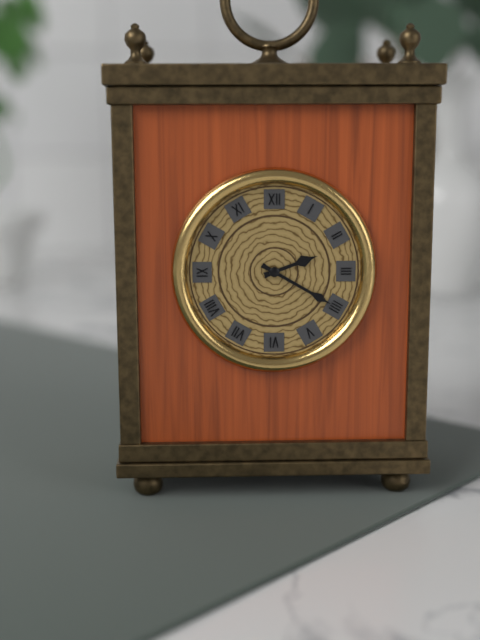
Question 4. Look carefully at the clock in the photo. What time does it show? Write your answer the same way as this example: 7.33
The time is 2.20
